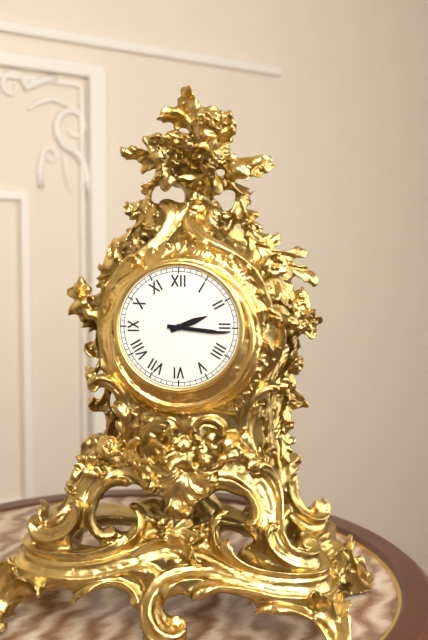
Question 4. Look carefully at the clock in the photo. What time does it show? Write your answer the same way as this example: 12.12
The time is 2.16
